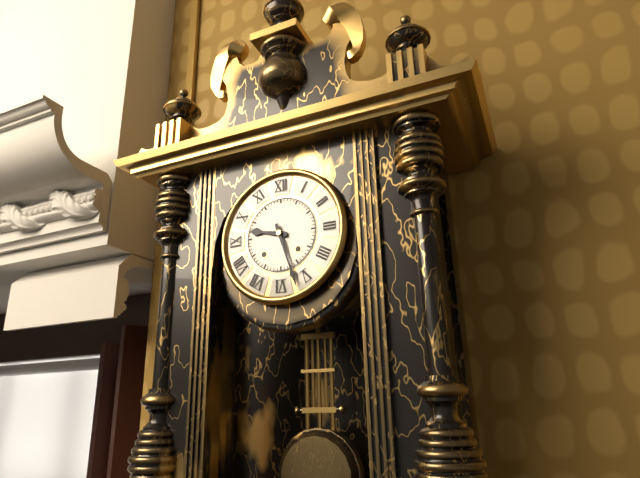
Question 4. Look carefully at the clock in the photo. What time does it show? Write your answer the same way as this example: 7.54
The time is 9.27
